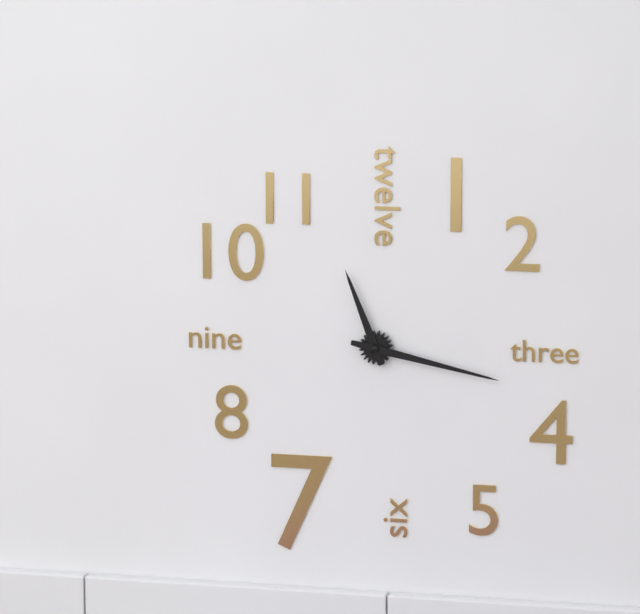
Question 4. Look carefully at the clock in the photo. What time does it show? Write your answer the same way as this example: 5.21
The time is 11.17
